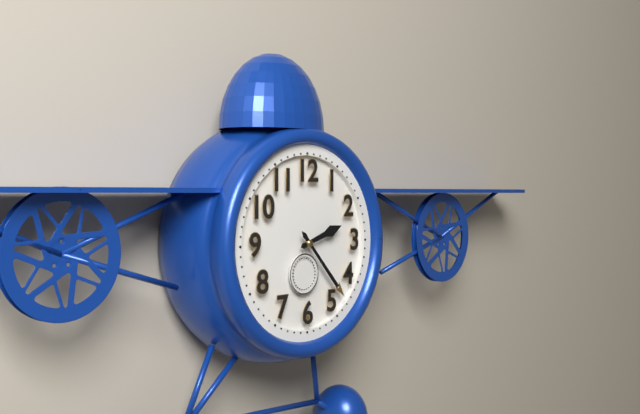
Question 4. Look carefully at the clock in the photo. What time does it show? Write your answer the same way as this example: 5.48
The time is 2.23
